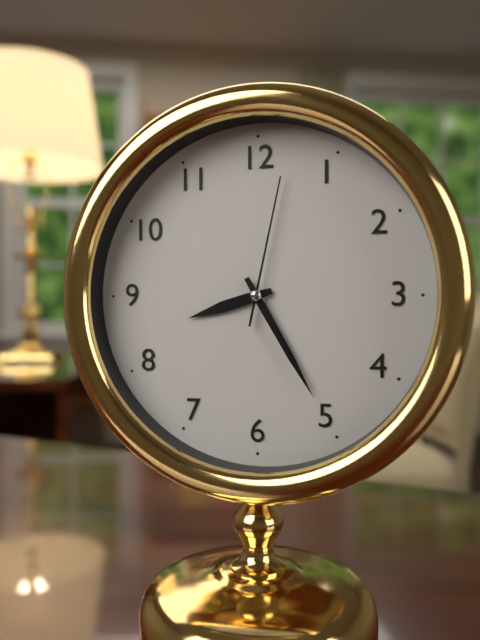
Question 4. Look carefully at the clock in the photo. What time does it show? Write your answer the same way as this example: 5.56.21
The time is 8.25.02
